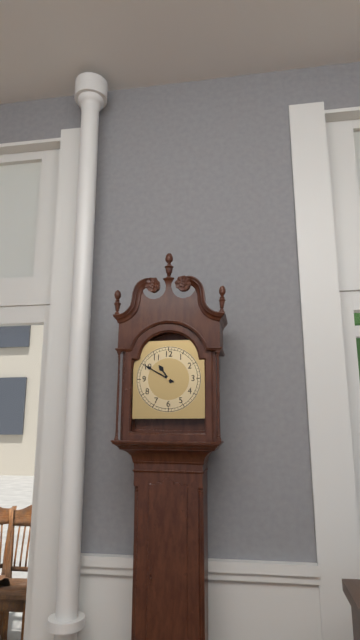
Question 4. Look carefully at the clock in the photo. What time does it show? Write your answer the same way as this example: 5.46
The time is 10.50
